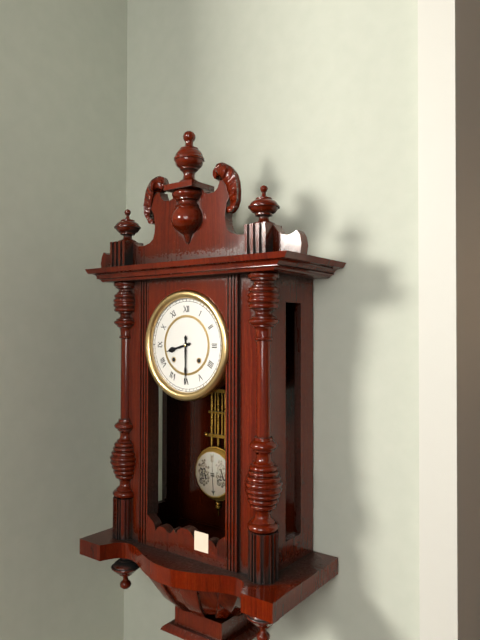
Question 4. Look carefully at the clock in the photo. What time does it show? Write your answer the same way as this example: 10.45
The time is 8.30
